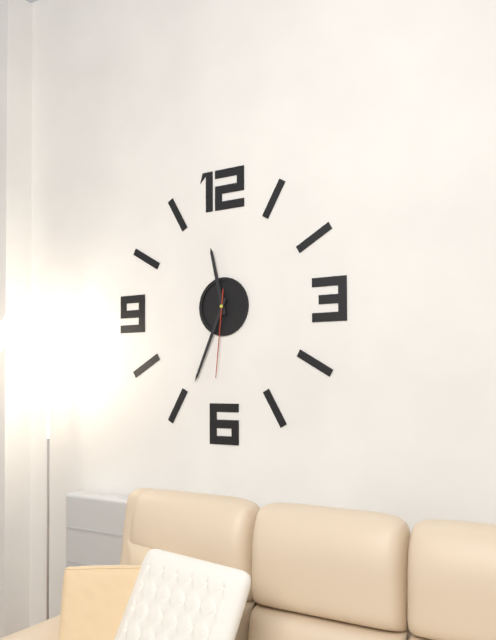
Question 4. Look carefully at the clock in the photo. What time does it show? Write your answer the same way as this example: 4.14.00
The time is 11.34.31
